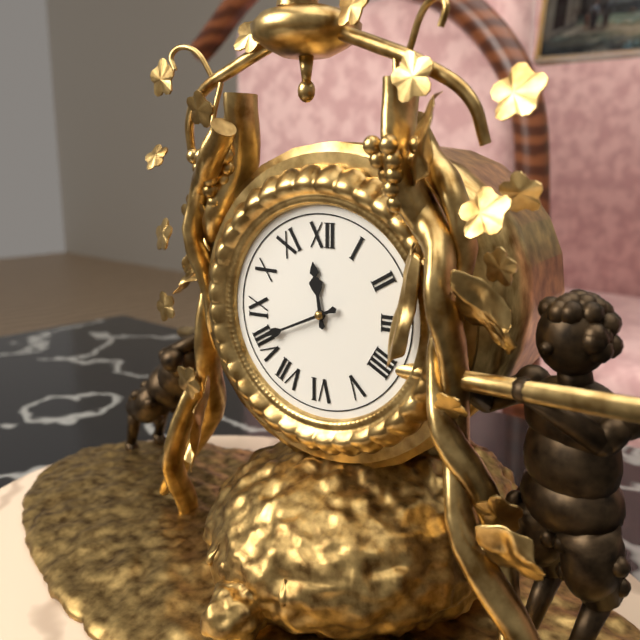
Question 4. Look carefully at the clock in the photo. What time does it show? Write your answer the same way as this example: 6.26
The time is 11.41
